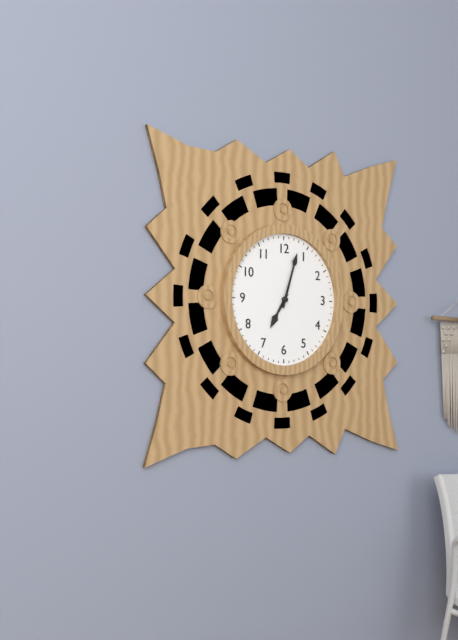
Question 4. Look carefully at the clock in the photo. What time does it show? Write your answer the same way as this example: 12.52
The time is 7.03
